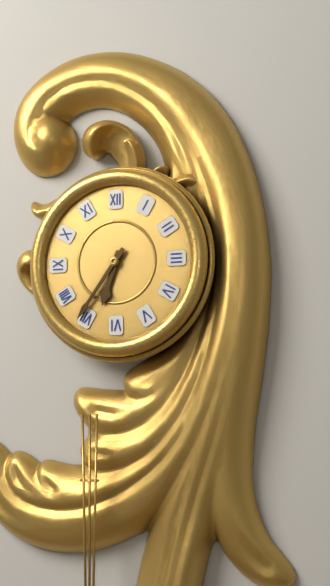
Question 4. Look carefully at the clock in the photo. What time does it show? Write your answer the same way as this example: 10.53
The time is 6.36
